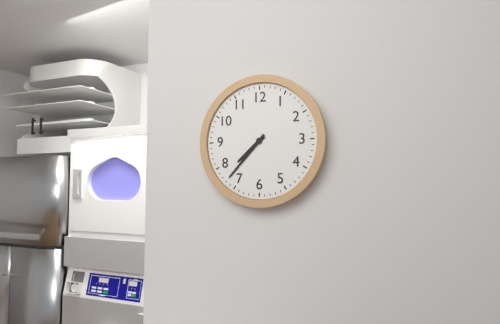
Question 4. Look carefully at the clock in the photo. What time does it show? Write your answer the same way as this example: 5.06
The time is 7.37
